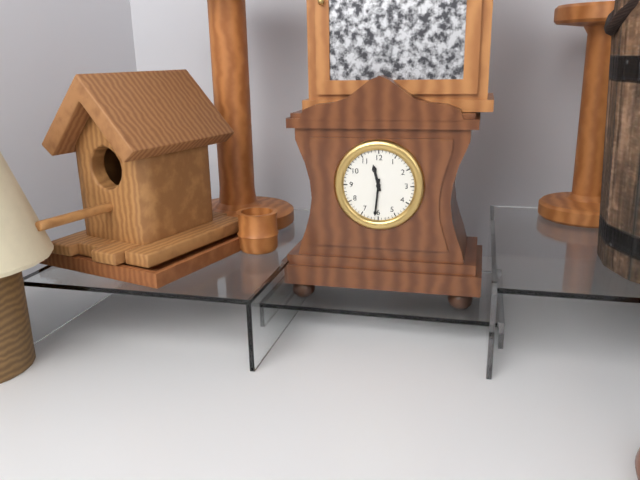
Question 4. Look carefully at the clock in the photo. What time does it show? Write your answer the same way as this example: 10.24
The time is 11.31
